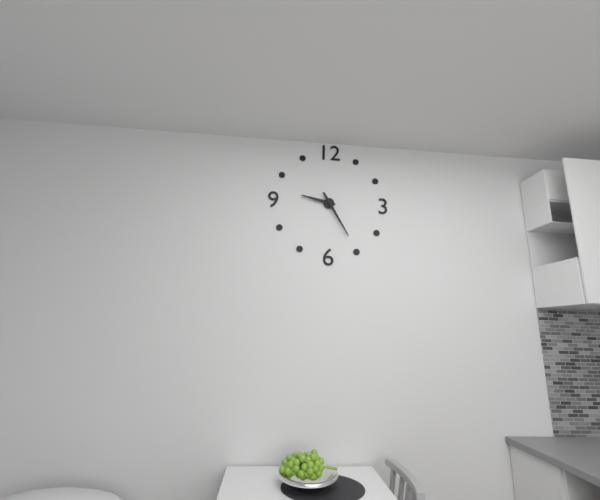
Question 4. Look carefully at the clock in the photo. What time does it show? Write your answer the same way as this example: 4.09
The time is 9.25
